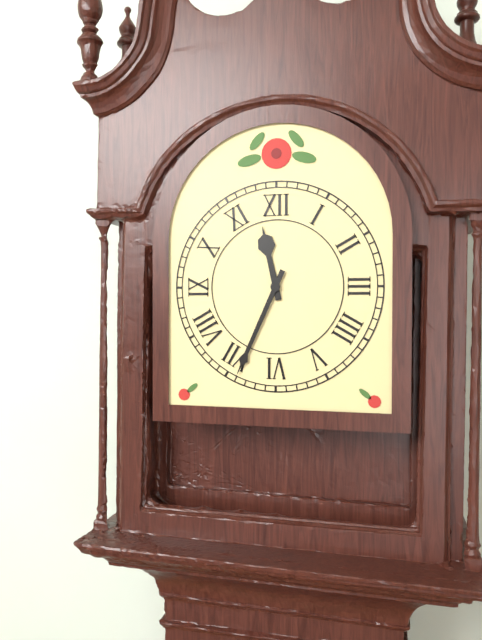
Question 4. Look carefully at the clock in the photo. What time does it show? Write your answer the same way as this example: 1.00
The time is 11.34
